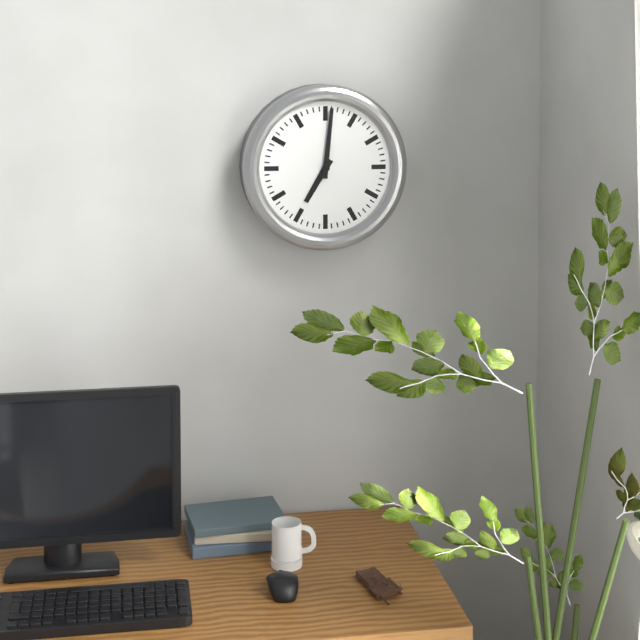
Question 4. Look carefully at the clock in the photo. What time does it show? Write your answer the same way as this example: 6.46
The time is 7.01
